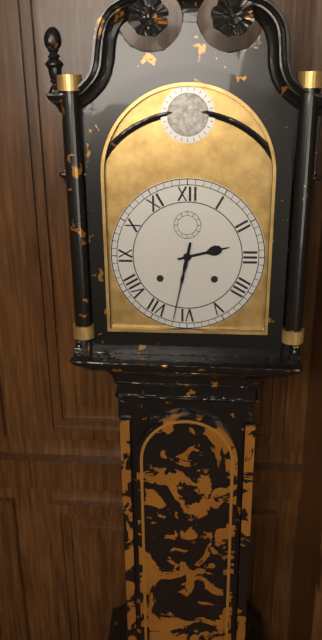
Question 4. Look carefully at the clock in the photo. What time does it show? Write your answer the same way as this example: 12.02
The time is 2.32
